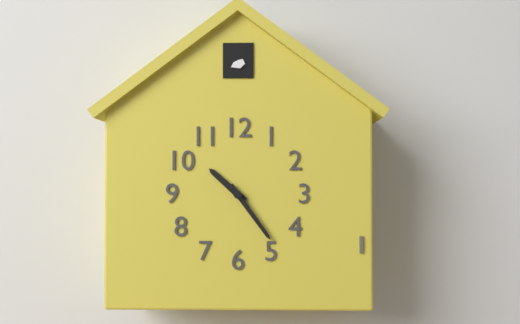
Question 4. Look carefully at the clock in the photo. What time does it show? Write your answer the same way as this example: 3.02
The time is 10.24
